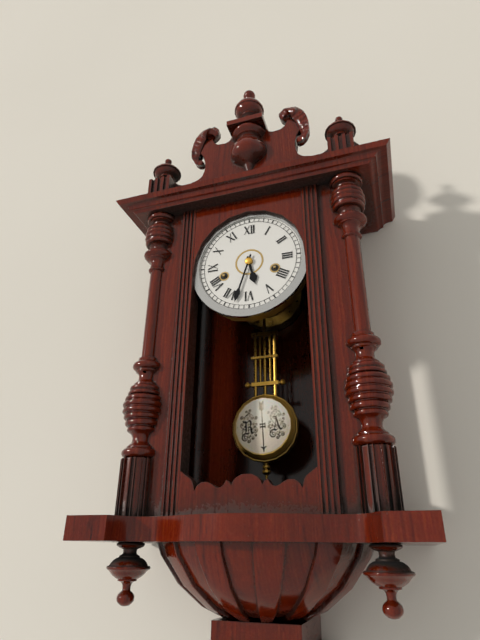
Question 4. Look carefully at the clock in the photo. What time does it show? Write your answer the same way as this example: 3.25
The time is 5.33
